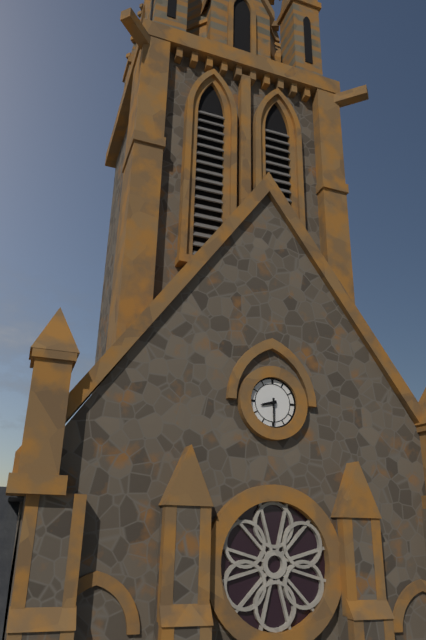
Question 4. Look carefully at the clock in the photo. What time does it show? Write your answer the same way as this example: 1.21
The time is 8.30
